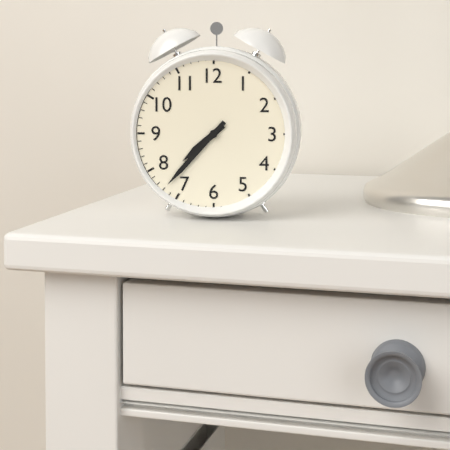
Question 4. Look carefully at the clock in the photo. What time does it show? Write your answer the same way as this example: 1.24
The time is 7.37
